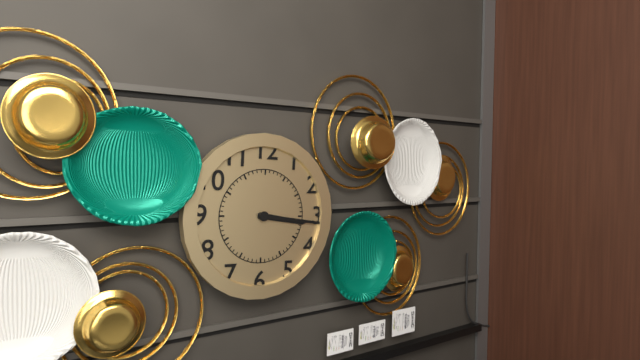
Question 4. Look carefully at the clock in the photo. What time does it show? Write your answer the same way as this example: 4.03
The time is 3.16
